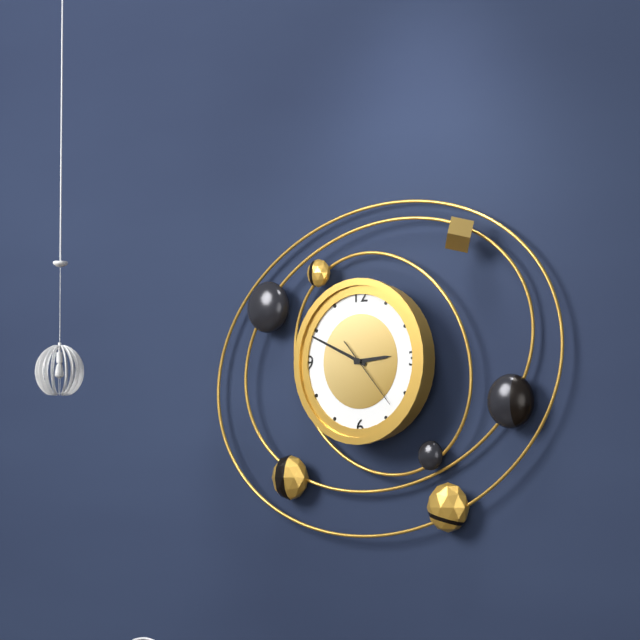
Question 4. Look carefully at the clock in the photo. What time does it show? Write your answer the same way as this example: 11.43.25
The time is 2.49.23
